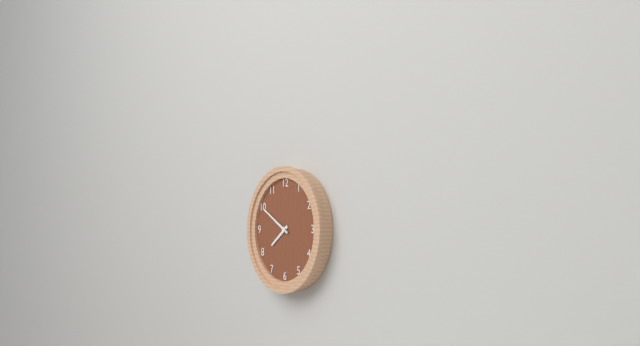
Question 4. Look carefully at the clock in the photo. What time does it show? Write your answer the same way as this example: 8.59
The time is 7.50
